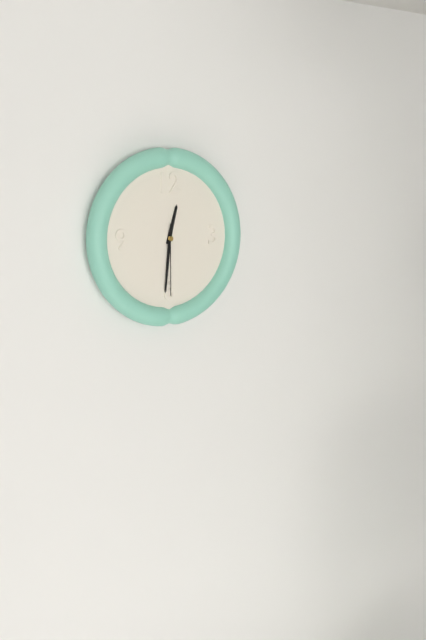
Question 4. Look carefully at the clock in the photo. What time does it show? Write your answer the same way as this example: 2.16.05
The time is 12.31.30
